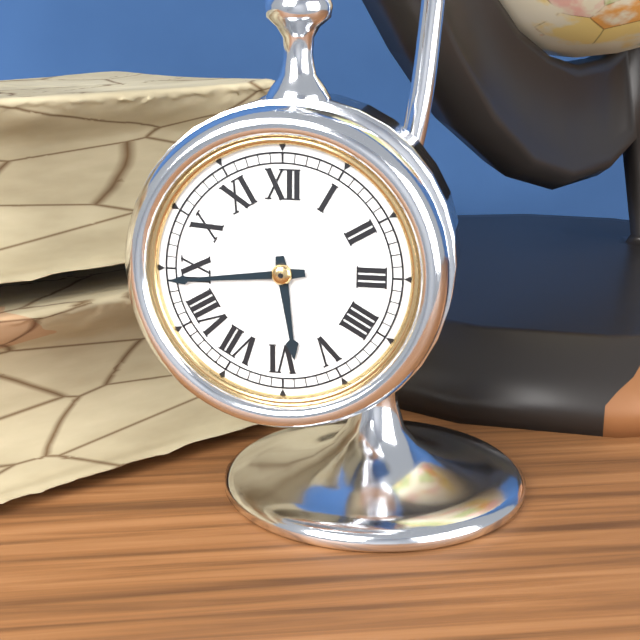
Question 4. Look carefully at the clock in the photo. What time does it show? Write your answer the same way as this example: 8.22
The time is 5.44
